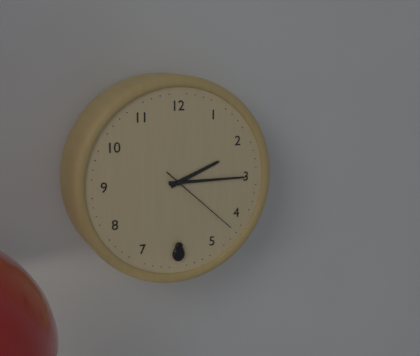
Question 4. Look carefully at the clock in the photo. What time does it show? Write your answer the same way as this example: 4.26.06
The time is 2.15.22
